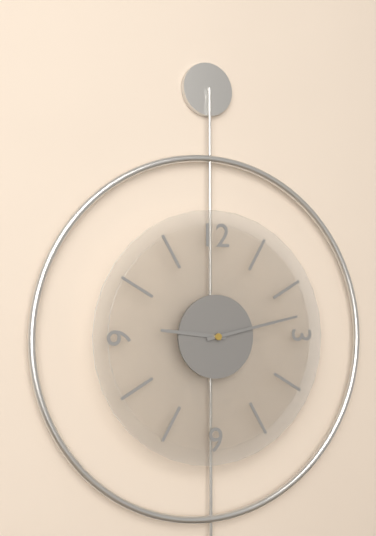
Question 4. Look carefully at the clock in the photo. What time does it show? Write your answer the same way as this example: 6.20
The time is 9.13
